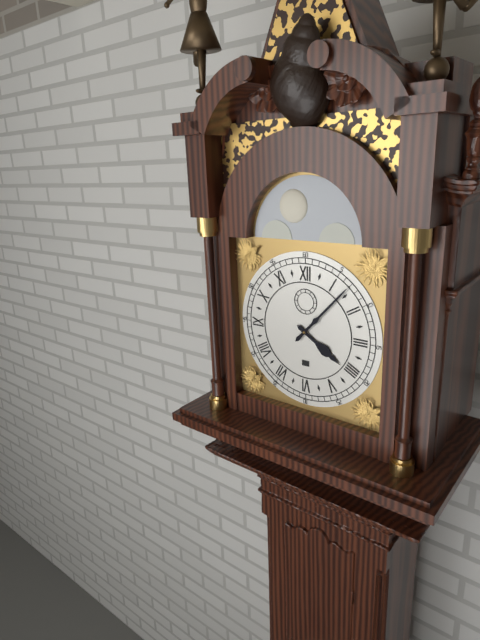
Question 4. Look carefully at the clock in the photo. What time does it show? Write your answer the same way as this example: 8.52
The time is 4.07
